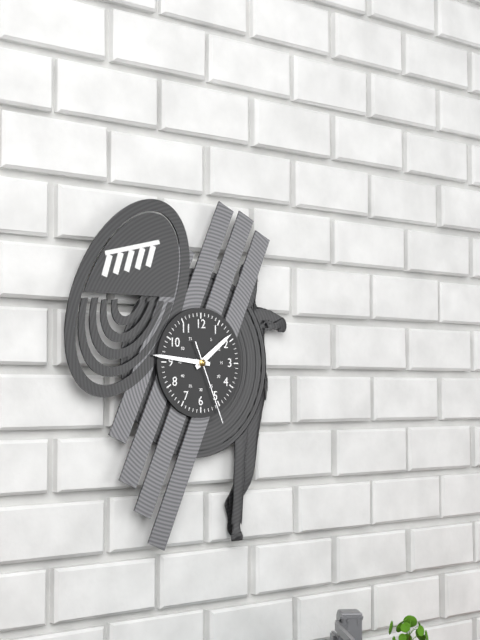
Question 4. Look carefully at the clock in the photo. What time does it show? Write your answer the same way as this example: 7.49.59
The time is 1.46.26
